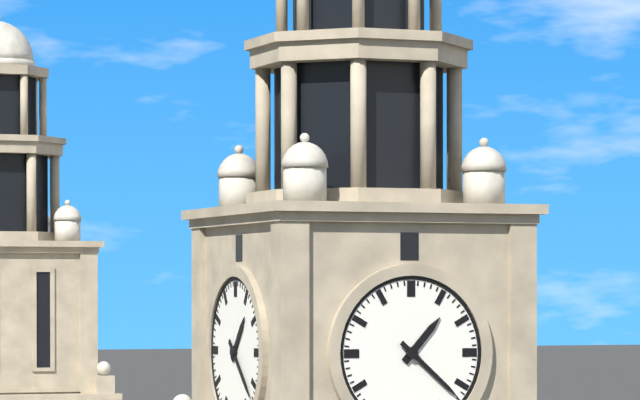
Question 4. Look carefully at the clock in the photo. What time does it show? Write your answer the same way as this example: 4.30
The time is 1.22
